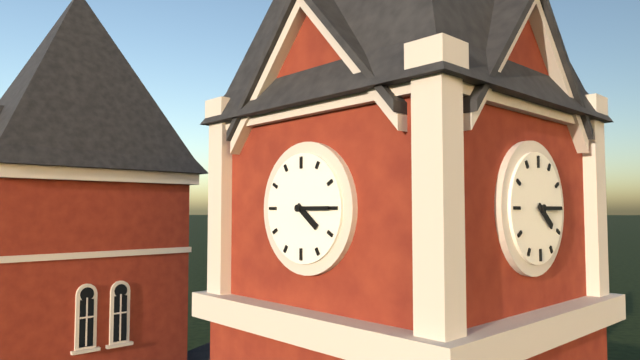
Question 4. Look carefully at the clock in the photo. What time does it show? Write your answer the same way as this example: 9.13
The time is 4.15
